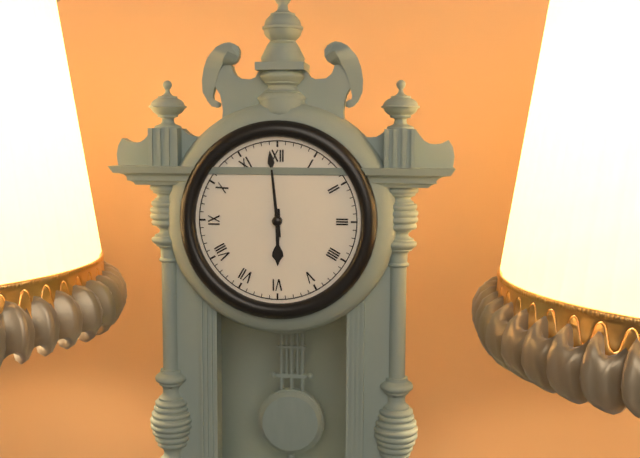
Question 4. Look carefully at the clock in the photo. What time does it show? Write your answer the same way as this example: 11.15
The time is 5.59
